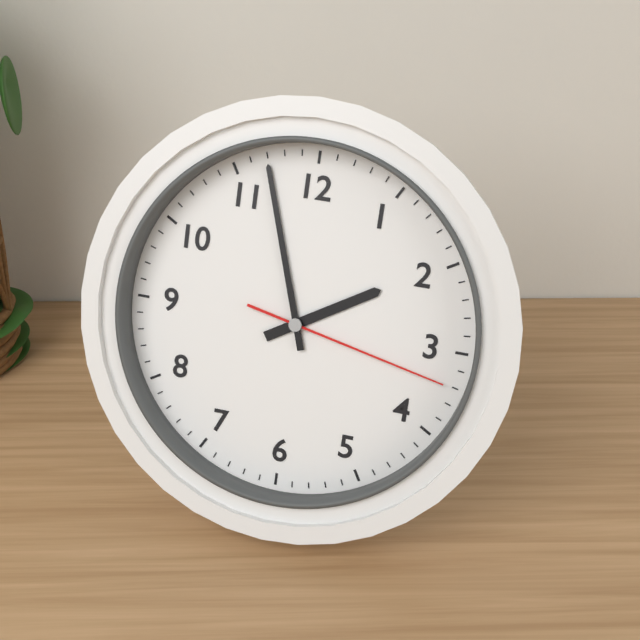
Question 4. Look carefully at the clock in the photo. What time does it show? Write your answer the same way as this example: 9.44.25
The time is 1.57.17
